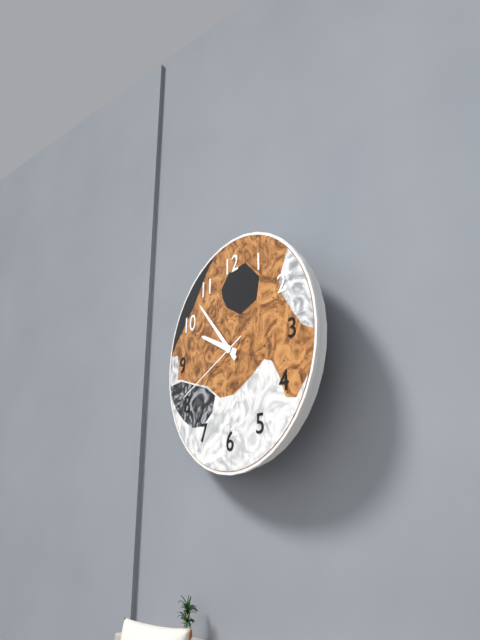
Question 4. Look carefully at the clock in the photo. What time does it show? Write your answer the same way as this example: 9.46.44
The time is 9.53.41
